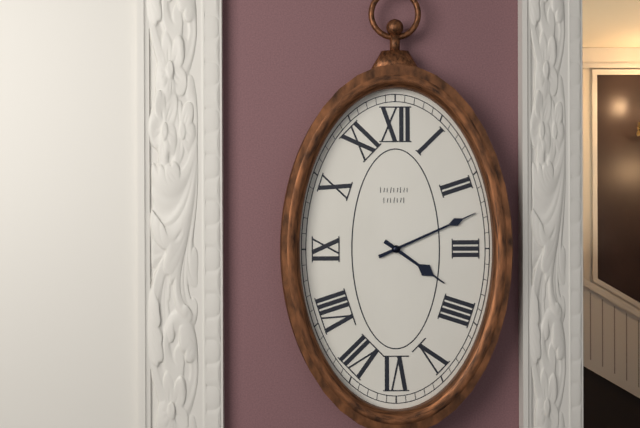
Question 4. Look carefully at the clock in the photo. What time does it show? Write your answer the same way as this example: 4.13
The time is 4.11
